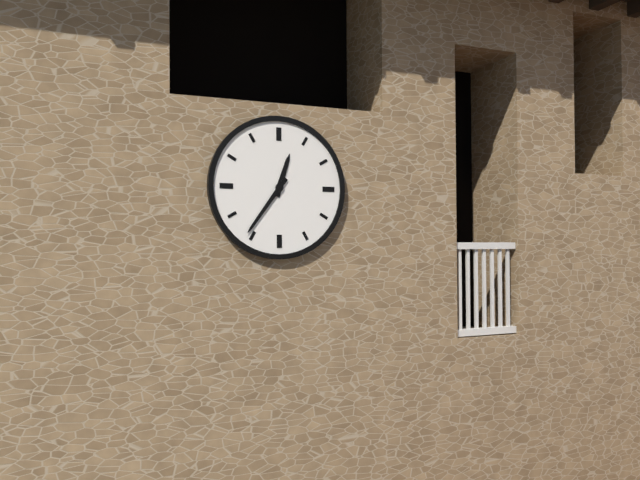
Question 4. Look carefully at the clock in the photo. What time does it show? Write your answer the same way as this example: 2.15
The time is 12.36
